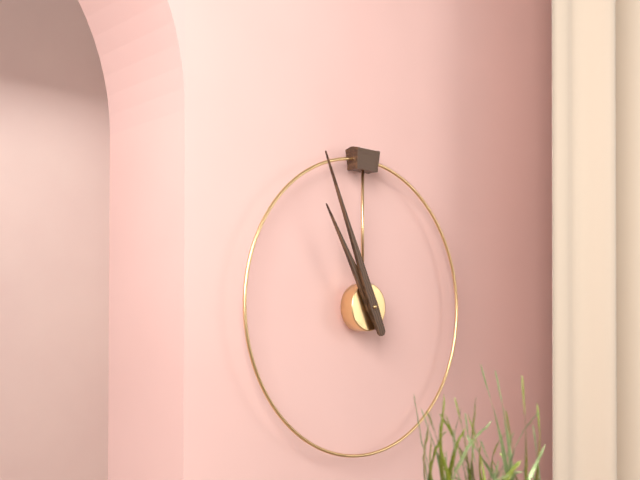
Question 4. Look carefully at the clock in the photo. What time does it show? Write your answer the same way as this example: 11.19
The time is 10.56
